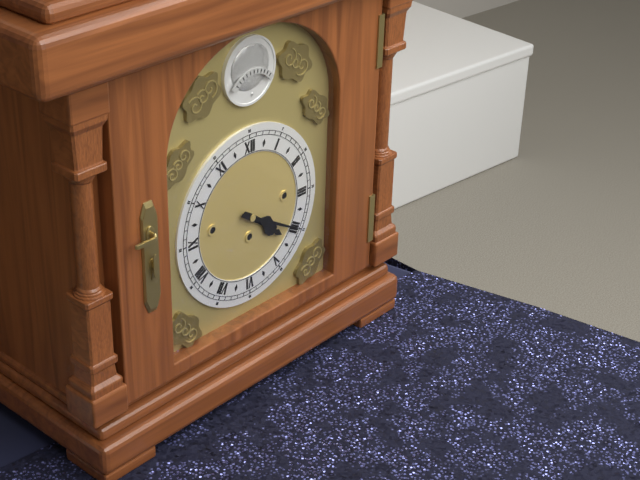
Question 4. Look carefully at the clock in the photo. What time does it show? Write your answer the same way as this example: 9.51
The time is 4.20
